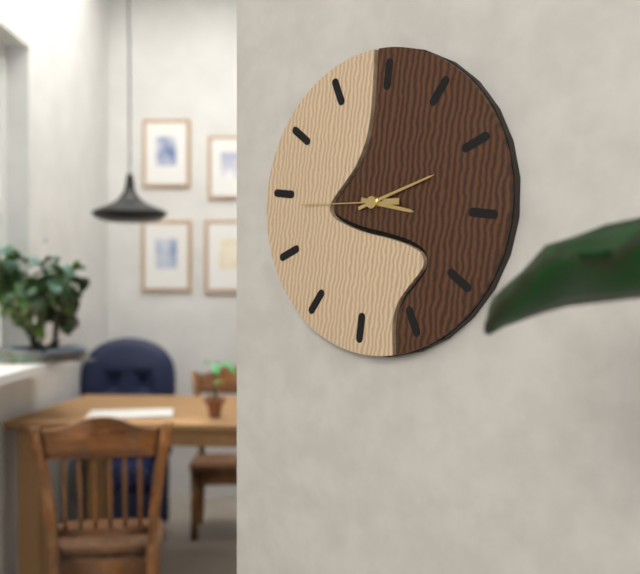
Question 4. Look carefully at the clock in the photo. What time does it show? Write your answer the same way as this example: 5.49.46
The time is 3.11.44
